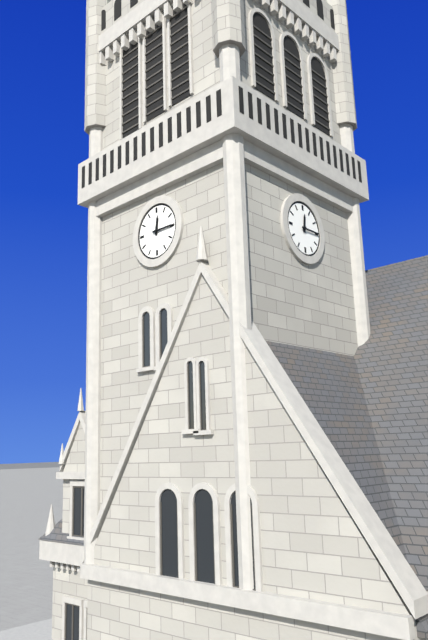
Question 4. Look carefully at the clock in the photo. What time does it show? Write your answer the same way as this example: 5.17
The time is 12.15
